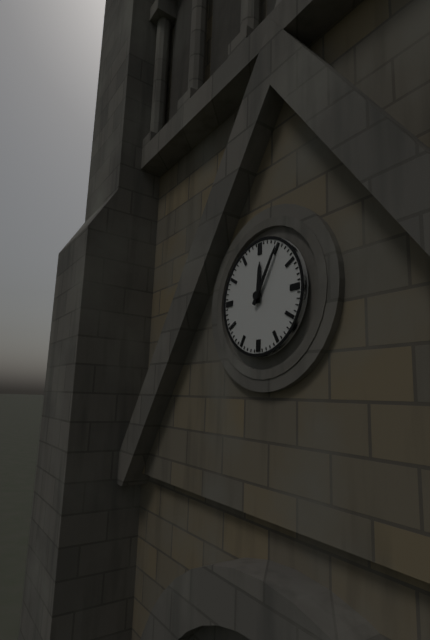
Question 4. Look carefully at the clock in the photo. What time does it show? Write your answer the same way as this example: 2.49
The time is 12.05
